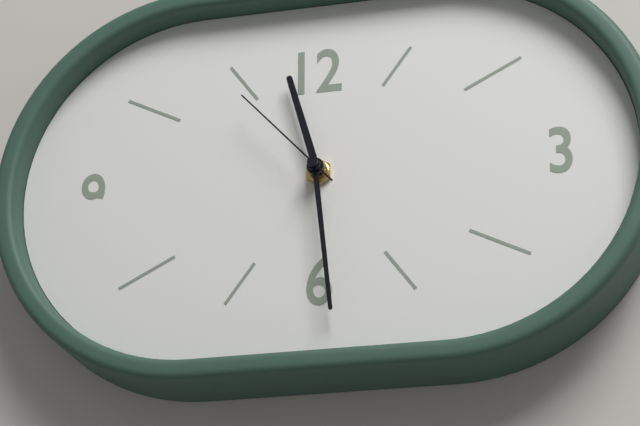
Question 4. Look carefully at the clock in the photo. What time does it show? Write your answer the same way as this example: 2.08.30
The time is 11.29.53
